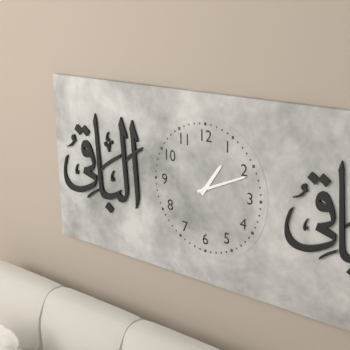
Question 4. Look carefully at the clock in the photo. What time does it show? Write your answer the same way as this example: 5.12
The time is 1.11
